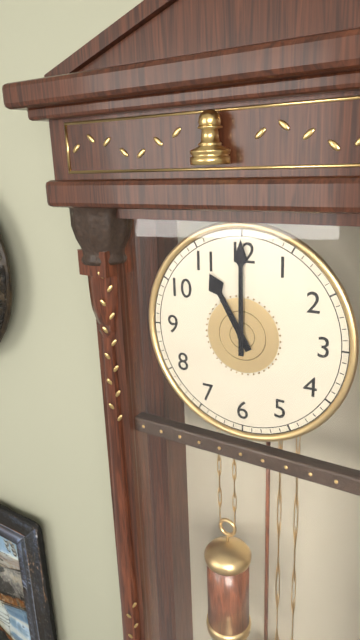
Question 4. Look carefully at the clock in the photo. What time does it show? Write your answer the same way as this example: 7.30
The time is 11.00
